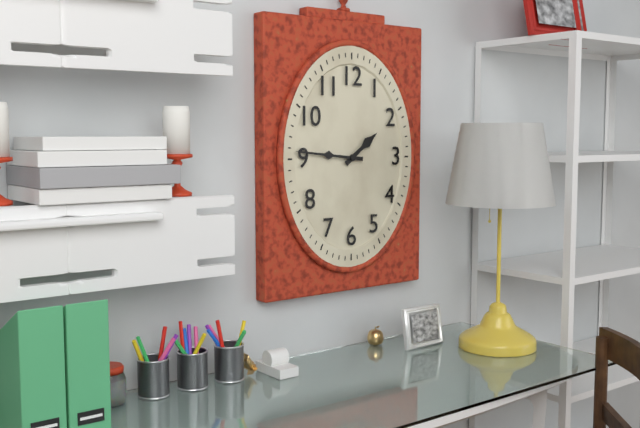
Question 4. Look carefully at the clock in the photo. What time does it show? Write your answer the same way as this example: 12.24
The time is 1.46
